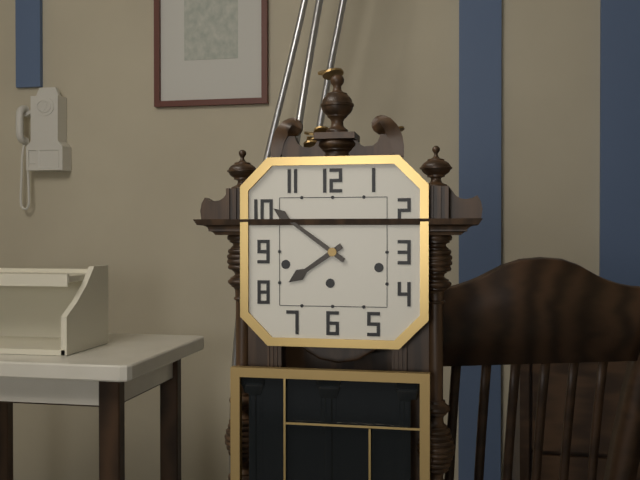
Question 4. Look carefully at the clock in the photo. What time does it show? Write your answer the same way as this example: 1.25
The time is 7.51
